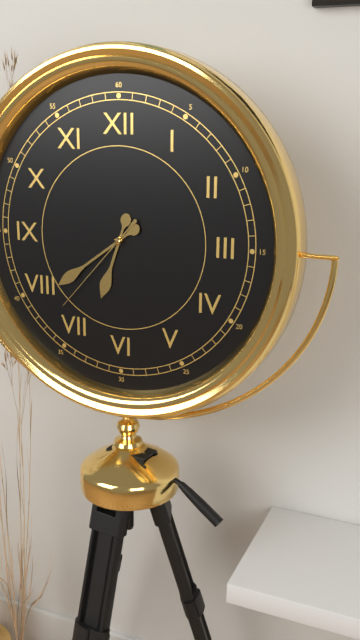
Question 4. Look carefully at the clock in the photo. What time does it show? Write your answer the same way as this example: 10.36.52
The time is 6.39.37
